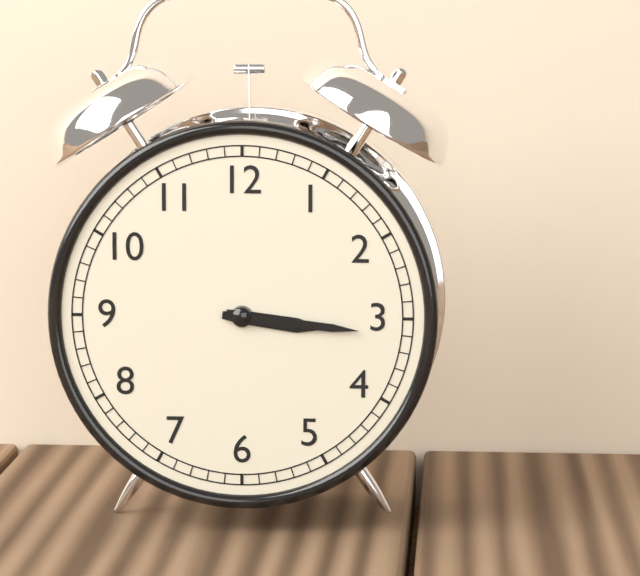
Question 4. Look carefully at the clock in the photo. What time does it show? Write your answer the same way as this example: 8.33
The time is 3.16
